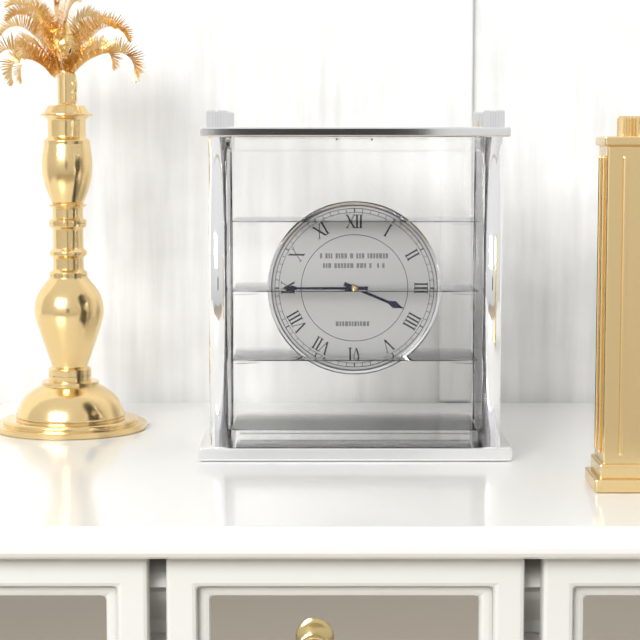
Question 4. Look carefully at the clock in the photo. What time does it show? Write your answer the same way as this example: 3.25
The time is 3.45
